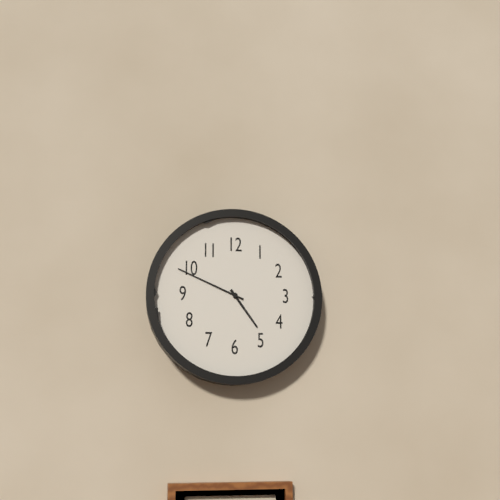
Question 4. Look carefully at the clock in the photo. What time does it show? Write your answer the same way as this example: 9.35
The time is 4.49
